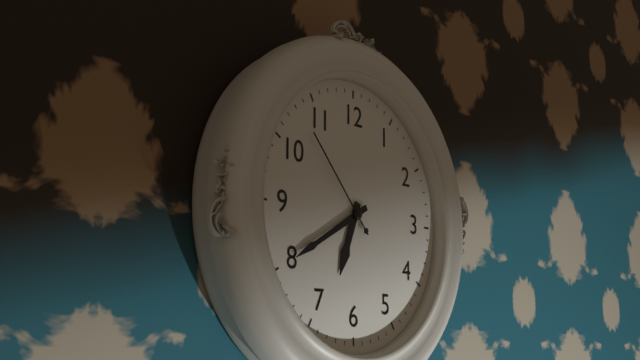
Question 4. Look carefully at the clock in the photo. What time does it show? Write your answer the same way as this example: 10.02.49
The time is 6.40.53
